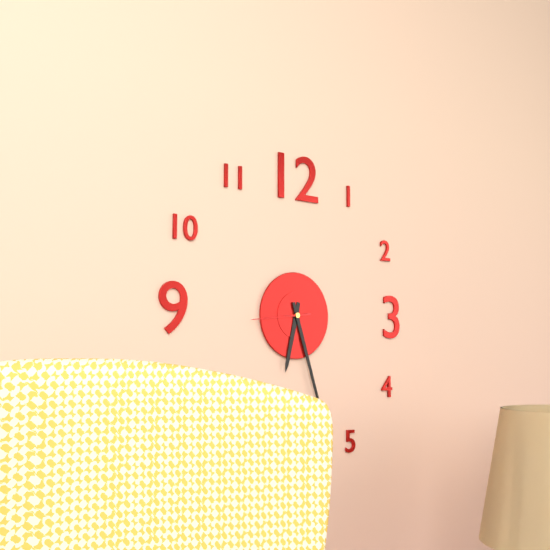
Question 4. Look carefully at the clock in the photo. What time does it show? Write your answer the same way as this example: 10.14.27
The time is 6.27.44
